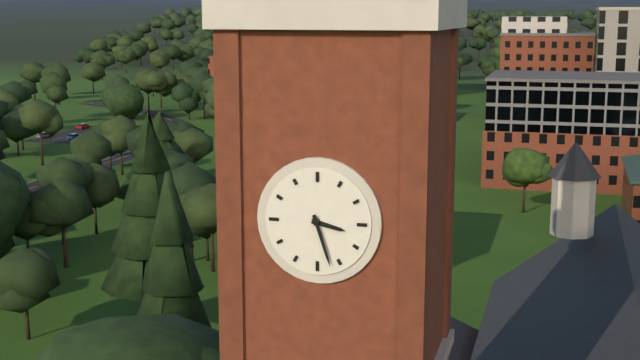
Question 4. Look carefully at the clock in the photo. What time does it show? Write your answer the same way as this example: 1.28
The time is 3.27
